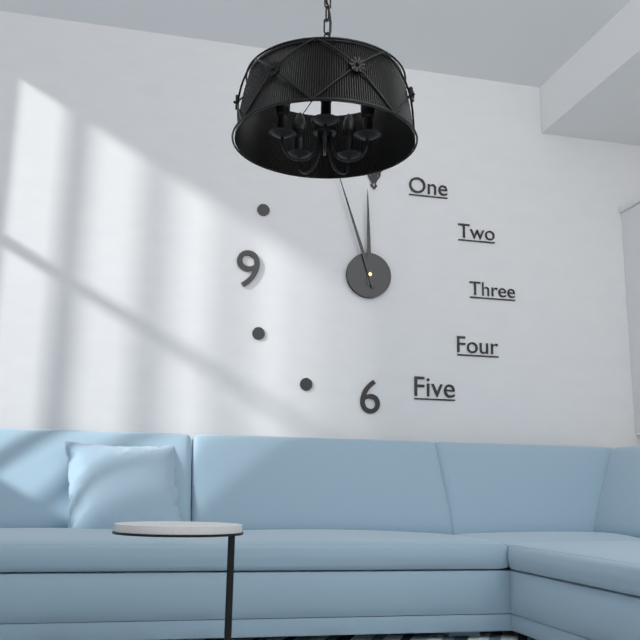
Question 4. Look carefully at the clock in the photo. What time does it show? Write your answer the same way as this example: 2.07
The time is 11.57
